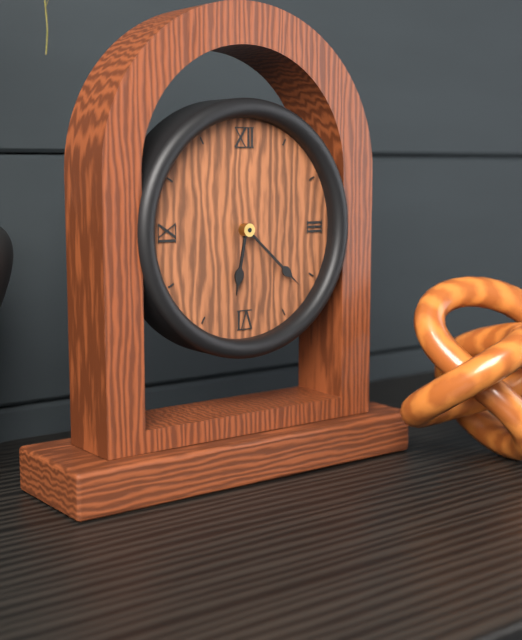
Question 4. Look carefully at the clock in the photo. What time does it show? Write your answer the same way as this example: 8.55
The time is 6.22
